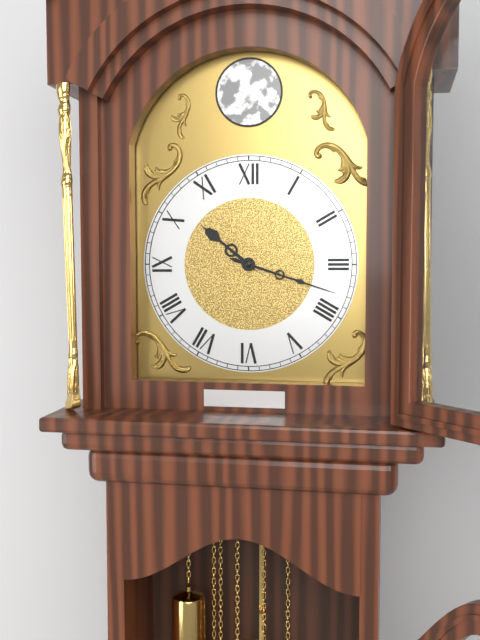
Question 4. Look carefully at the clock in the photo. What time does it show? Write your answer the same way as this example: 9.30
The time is 10.18
